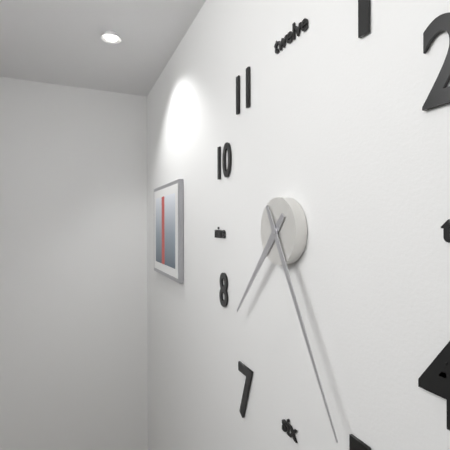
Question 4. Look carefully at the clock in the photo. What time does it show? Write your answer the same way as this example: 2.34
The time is 7.25
